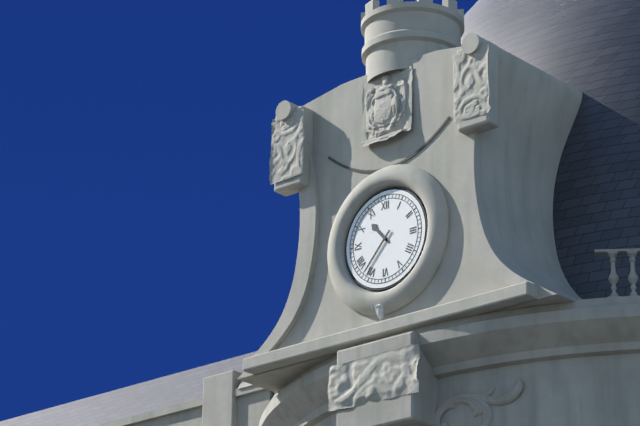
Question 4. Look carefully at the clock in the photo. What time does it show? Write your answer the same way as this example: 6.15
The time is 10.37
